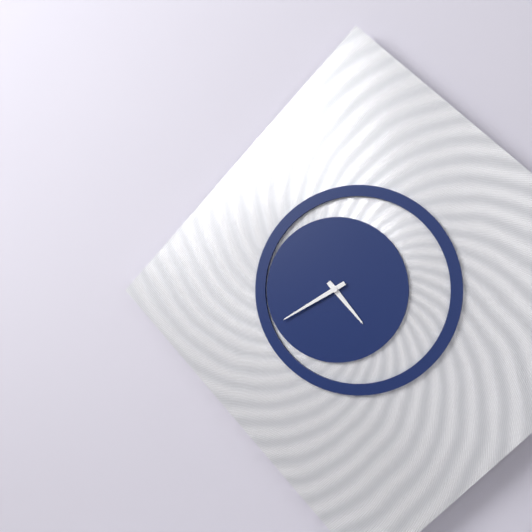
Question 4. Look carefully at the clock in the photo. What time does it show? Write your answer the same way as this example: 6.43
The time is 4.40
